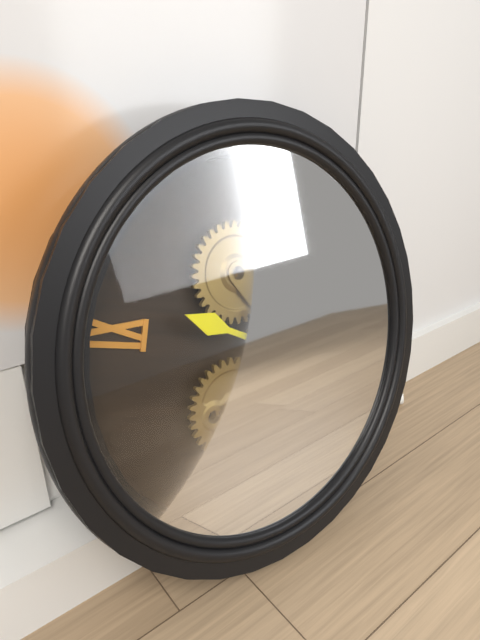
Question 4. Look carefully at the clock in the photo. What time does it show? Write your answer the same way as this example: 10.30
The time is 9.26
